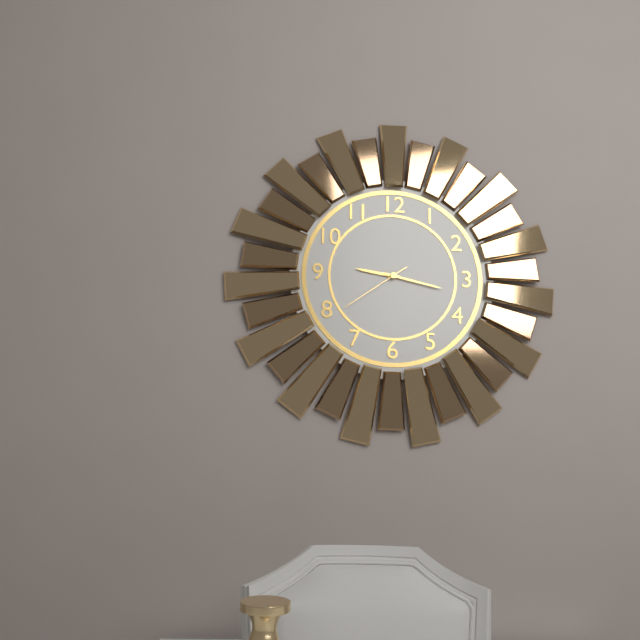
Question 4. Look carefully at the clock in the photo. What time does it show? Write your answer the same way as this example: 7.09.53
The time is 9.17.39
